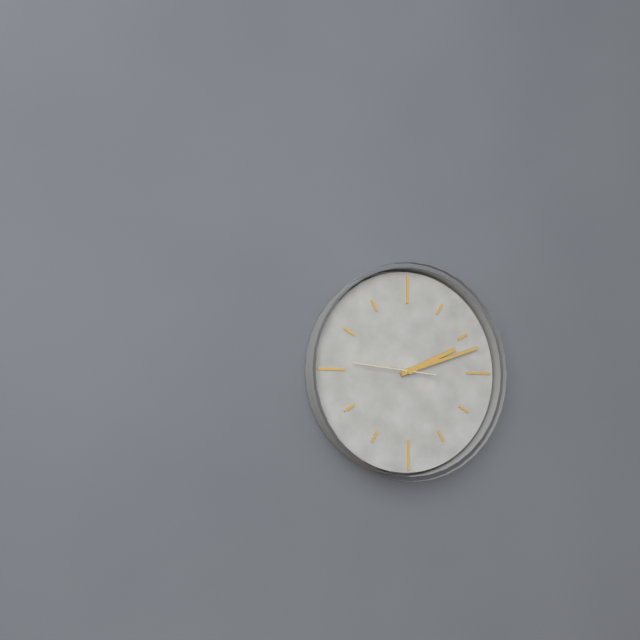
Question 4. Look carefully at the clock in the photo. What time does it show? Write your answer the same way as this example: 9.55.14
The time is 2.12.46
